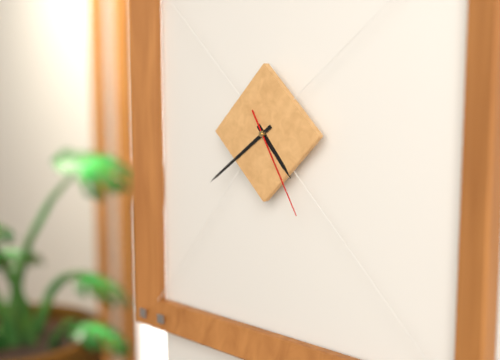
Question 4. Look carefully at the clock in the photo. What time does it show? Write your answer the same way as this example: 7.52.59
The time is 4.39.25
